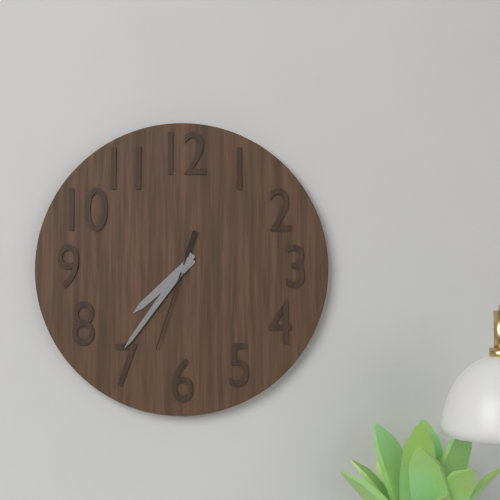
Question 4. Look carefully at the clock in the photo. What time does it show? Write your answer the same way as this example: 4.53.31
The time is 7.36.33
